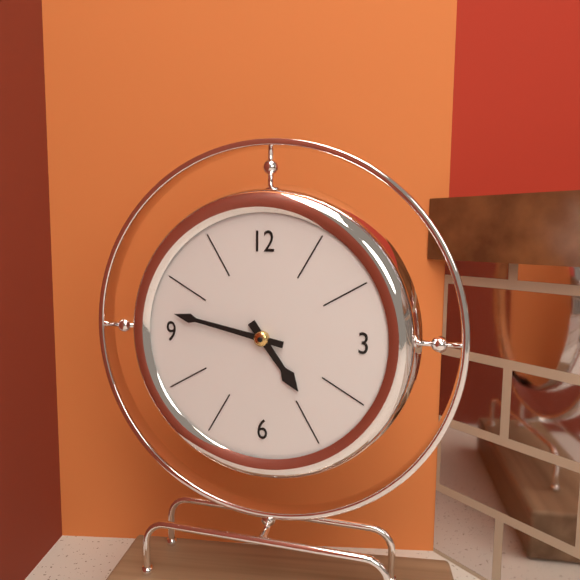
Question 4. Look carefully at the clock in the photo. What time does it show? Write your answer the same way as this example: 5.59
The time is 4.47
